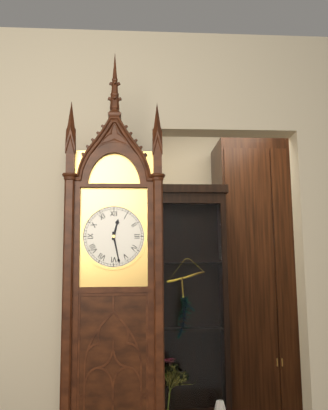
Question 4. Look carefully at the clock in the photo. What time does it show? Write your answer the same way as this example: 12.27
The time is 12.28
